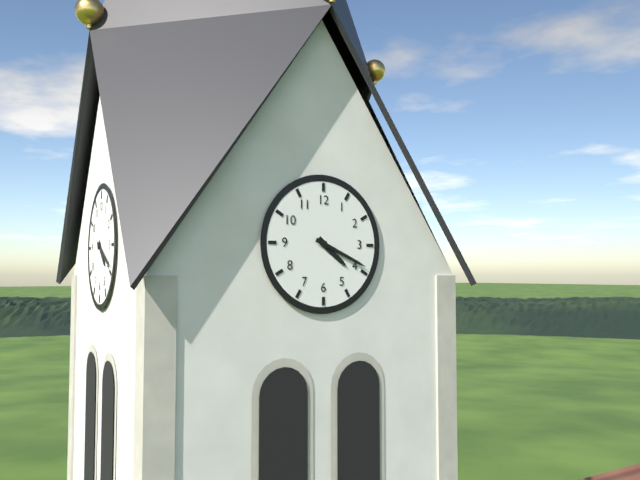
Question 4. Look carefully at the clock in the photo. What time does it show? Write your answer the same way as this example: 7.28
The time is 4.19
